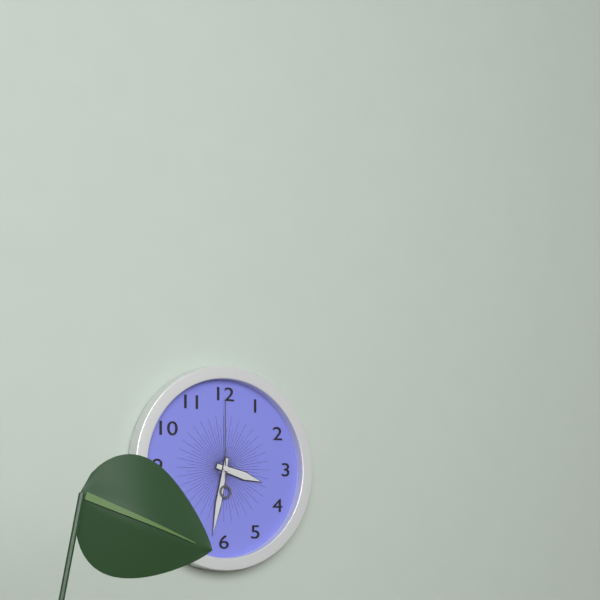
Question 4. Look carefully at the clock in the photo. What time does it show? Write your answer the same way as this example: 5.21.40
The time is 3.32.00
